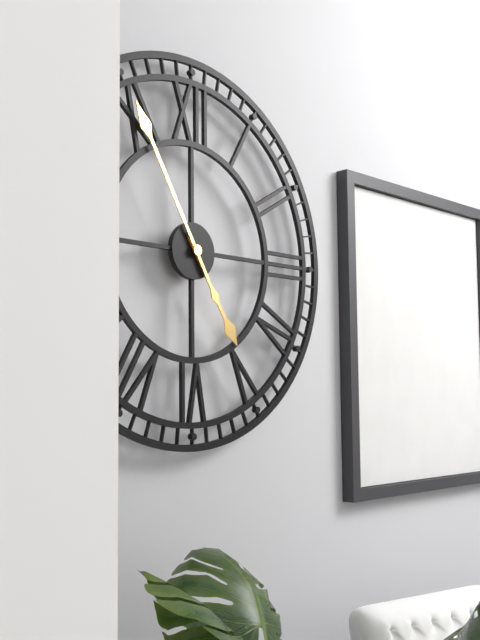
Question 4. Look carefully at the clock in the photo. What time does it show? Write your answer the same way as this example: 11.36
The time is 4.55
